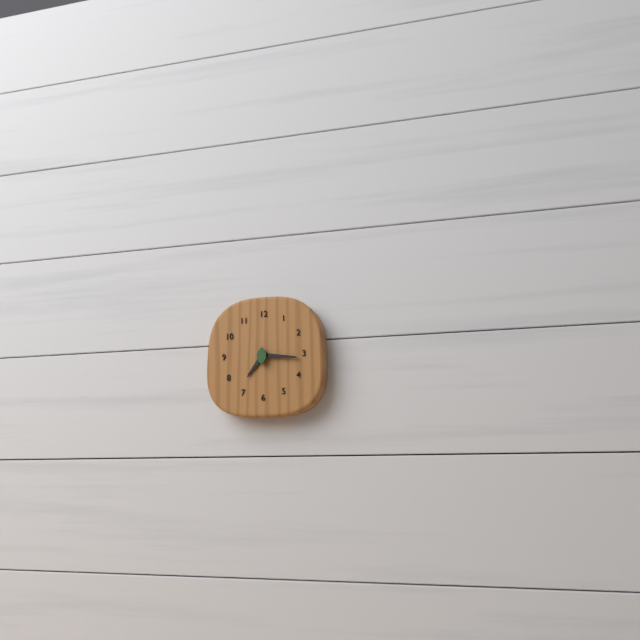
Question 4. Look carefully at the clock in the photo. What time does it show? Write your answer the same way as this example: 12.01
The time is 7.16
